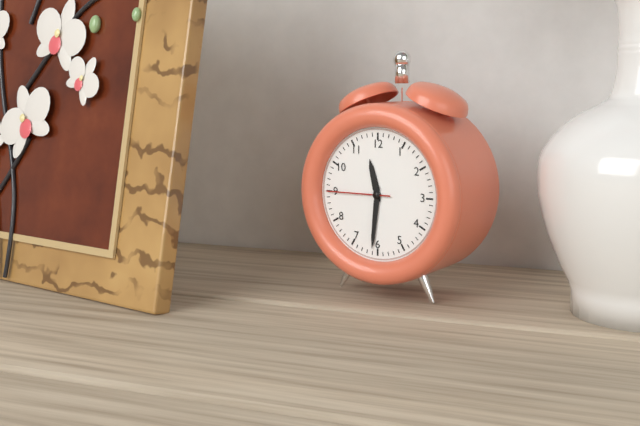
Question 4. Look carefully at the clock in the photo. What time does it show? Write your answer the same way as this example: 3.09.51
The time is 11.31.45
